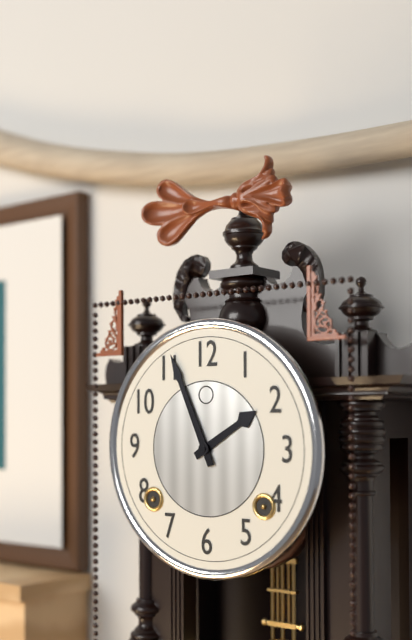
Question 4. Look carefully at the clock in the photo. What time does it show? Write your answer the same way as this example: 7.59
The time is 1.56
